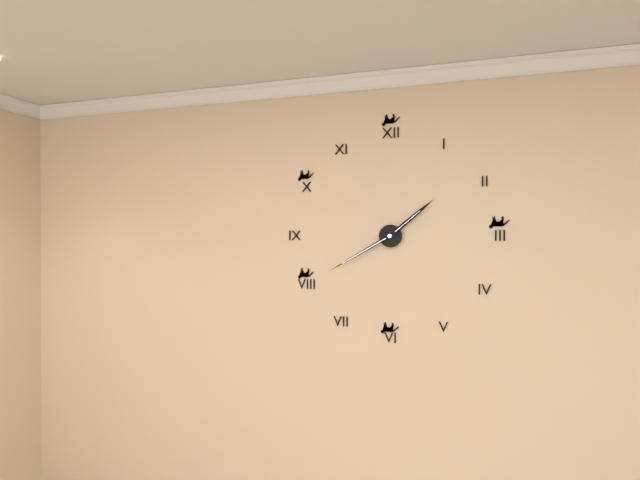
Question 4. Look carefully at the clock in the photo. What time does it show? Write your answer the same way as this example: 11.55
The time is 1.40
